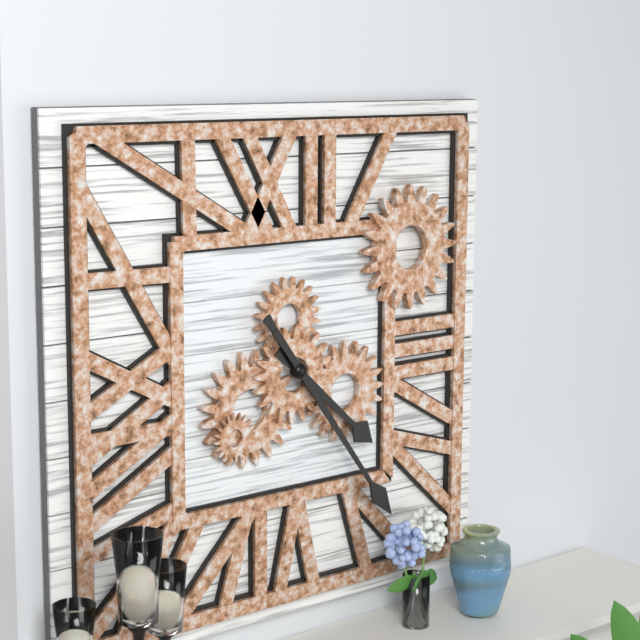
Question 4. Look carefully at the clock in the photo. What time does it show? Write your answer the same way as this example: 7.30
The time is 4.24
